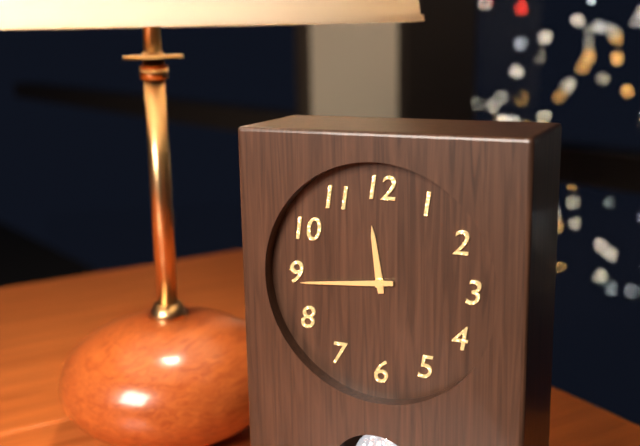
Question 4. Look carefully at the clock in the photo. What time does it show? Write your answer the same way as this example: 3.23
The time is 11.44
